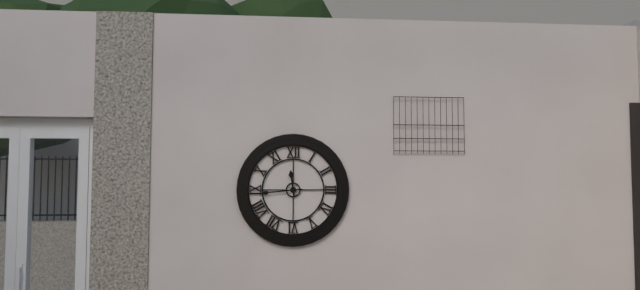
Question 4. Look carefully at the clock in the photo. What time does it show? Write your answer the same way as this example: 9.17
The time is 11.44
